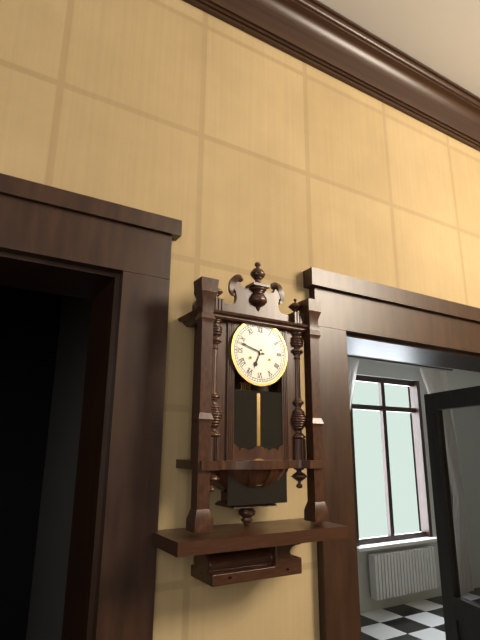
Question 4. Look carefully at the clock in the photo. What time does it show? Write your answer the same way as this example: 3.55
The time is 6.48
